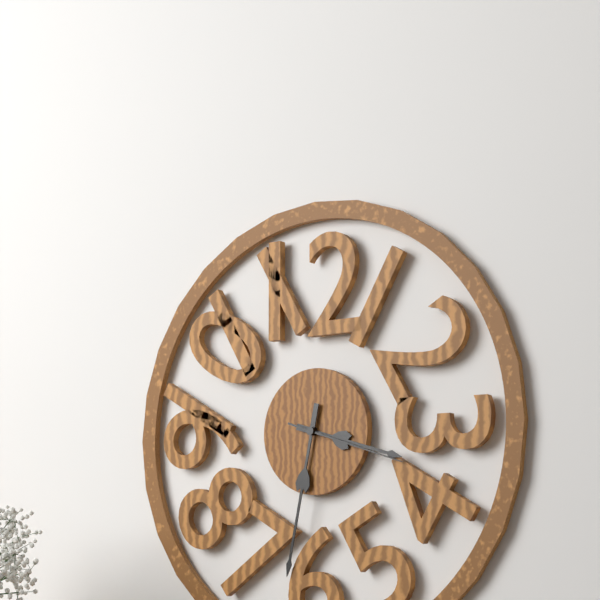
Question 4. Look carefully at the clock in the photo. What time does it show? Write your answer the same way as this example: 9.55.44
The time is 3.32.18
